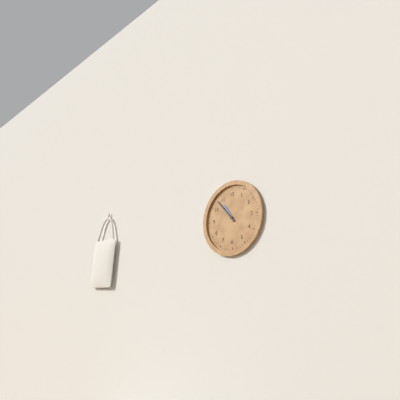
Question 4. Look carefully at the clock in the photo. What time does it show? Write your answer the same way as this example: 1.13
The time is 10.53
